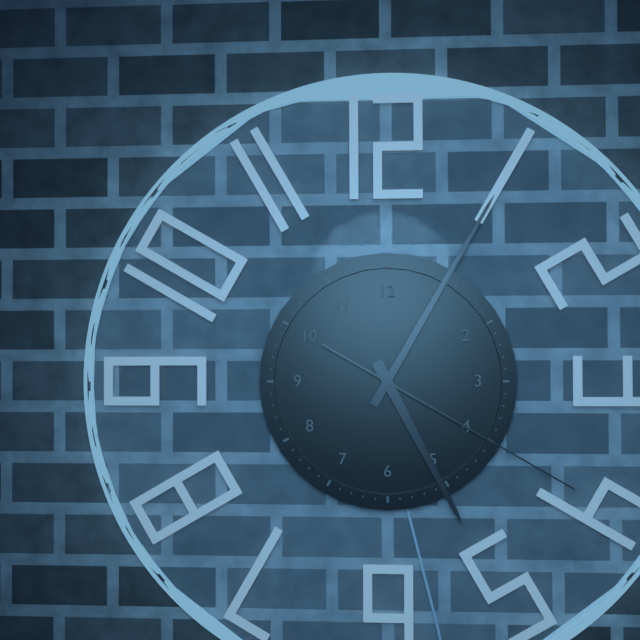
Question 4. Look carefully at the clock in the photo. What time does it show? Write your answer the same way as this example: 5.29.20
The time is 5.05.20
